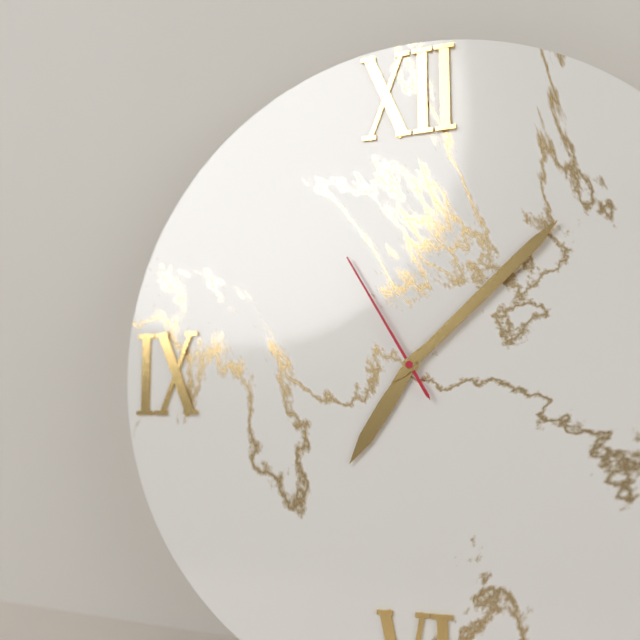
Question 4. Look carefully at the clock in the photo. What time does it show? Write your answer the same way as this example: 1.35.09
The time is 7.08.55
